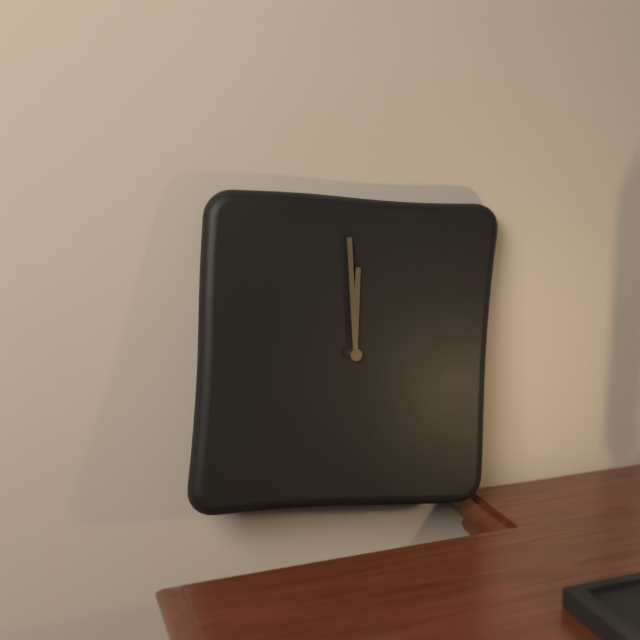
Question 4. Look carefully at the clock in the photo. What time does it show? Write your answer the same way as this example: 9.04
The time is 11.59
